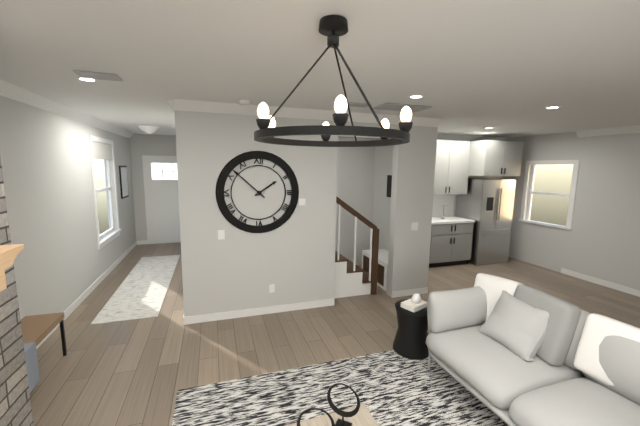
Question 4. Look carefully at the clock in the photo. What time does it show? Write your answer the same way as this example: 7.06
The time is 1.52
